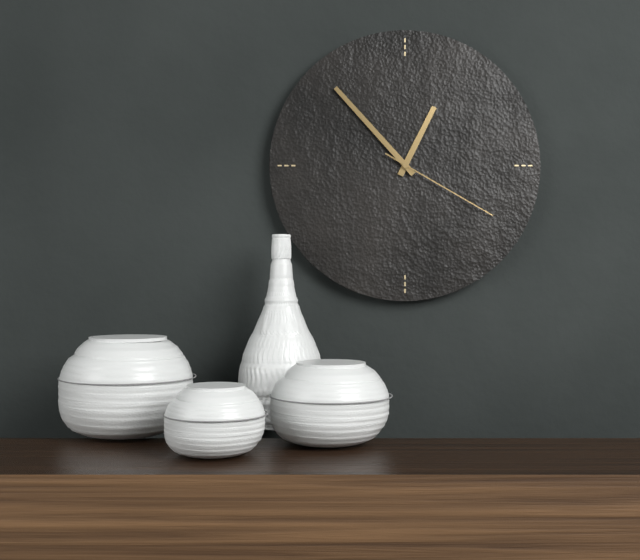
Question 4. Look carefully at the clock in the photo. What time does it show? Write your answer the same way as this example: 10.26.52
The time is 12.53.20
